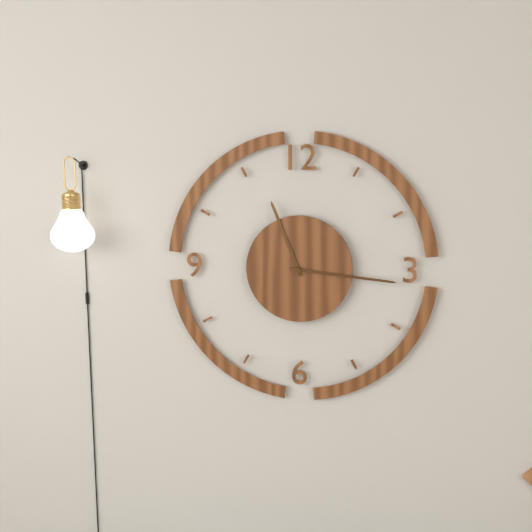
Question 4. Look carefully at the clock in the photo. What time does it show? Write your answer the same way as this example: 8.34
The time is 11.16
